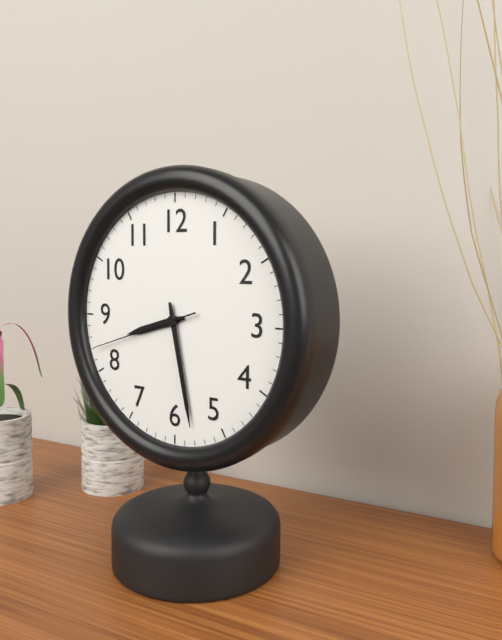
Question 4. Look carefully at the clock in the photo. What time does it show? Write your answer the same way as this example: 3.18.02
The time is 8.28.42
